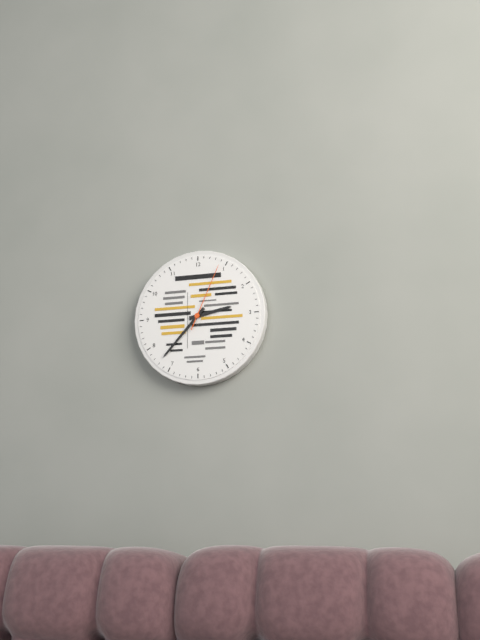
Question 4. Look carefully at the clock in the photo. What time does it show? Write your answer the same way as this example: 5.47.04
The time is 2.37.04
